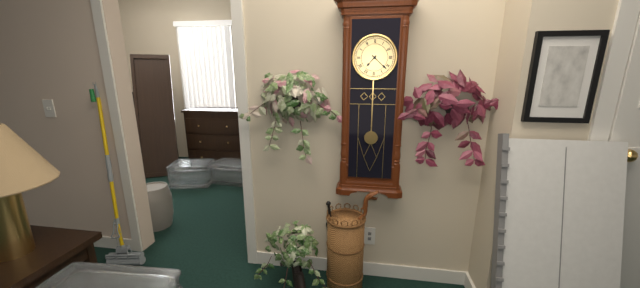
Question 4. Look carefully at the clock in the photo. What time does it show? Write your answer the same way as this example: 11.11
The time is 7.22
